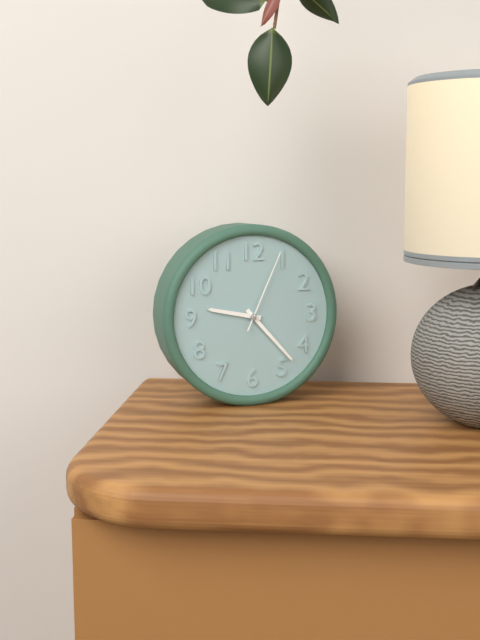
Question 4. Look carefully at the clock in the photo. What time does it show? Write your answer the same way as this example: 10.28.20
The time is 9.23.04
